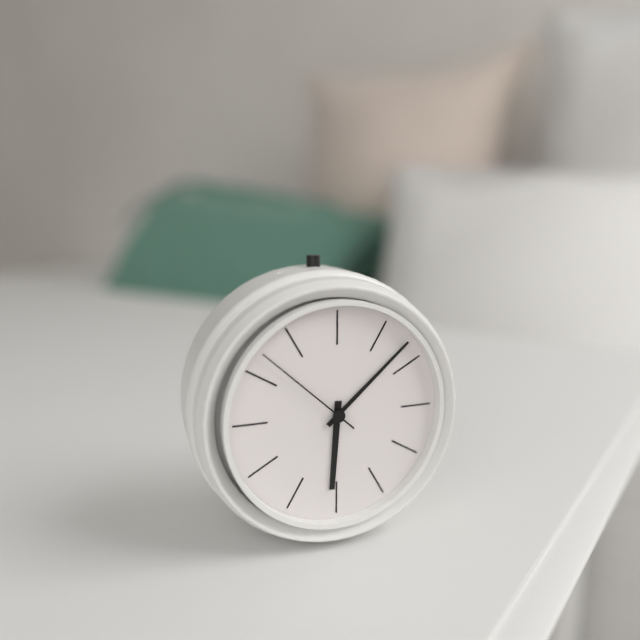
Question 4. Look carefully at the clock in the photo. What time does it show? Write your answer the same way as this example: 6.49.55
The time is 6.08.52
